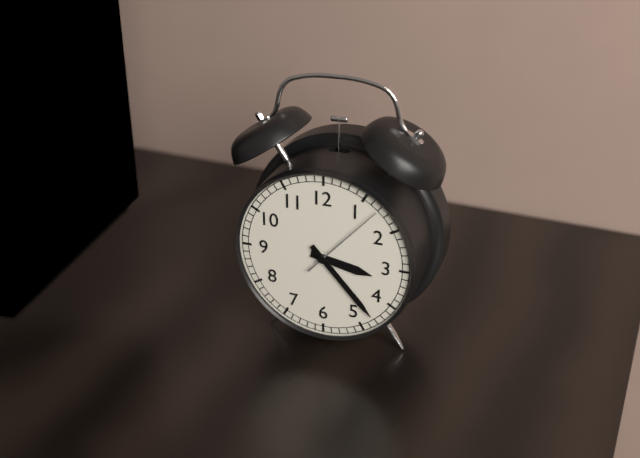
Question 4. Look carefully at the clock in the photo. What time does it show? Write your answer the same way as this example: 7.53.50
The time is 3.23.07
